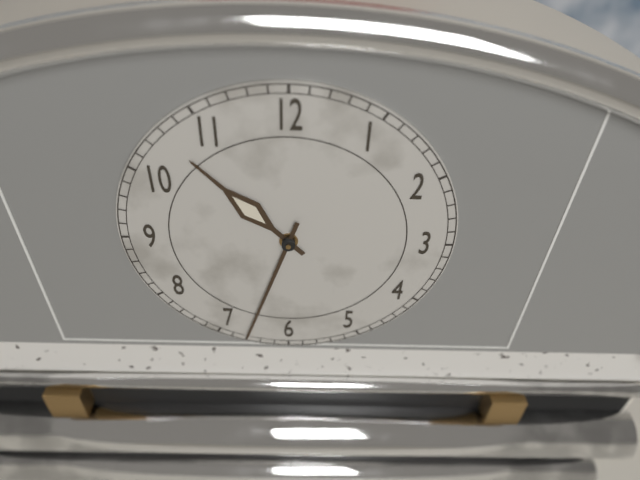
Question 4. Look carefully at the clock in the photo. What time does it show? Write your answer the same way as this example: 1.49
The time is 10.33
